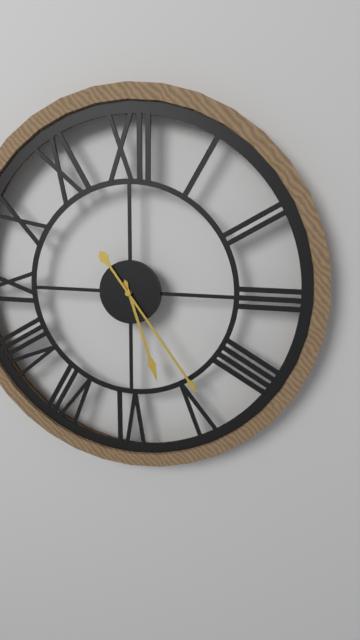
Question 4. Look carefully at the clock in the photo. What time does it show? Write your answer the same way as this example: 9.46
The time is 5.24
